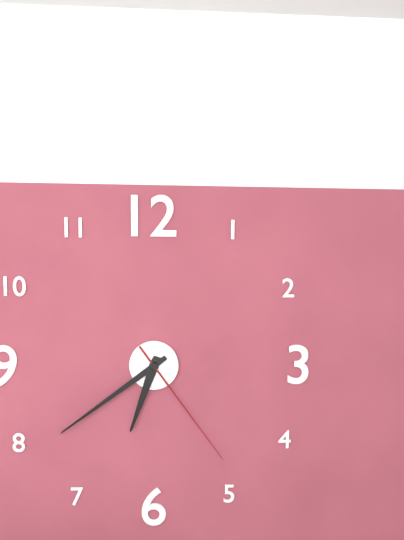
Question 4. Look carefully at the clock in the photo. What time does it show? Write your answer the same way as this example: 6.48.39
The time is 6.39.24
